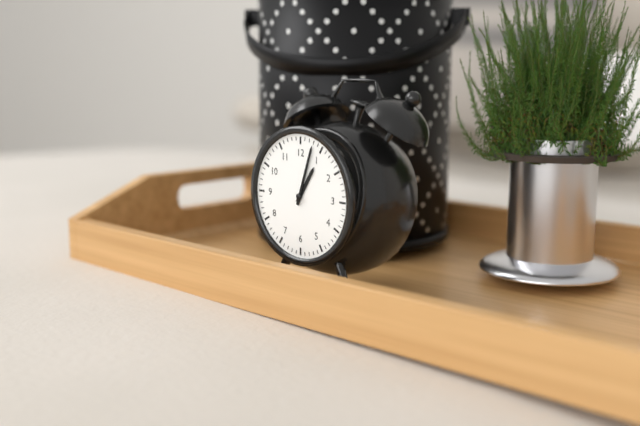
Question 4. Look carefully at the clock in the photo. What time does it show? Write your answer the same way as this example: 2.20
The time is 1.03
